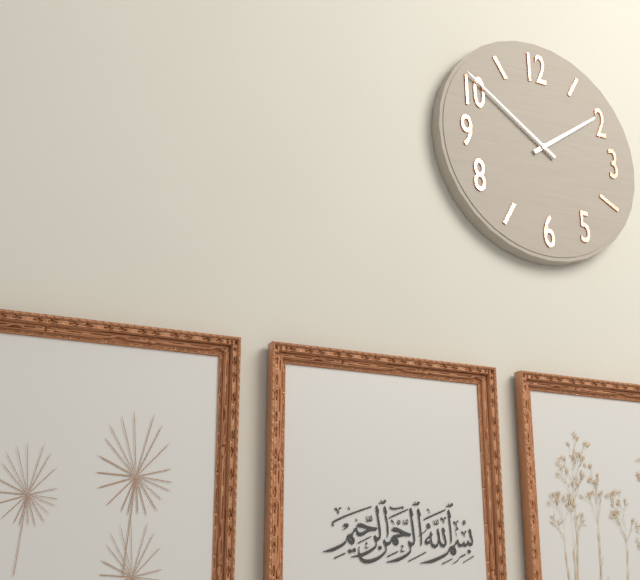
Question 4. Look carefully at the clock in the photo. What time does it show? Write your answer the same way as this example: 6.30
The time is 1.51
